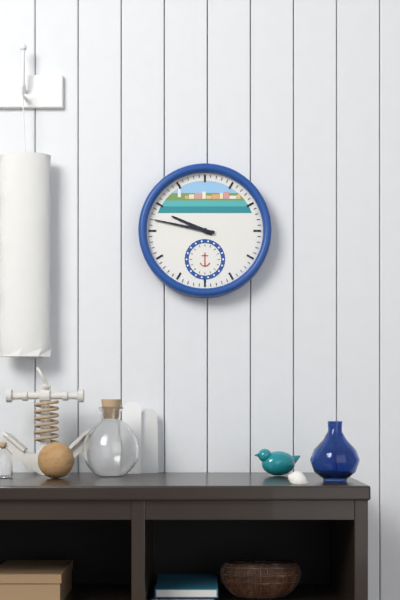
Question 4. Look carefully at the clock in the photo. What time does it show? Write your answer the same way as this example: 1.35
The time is 9.47
